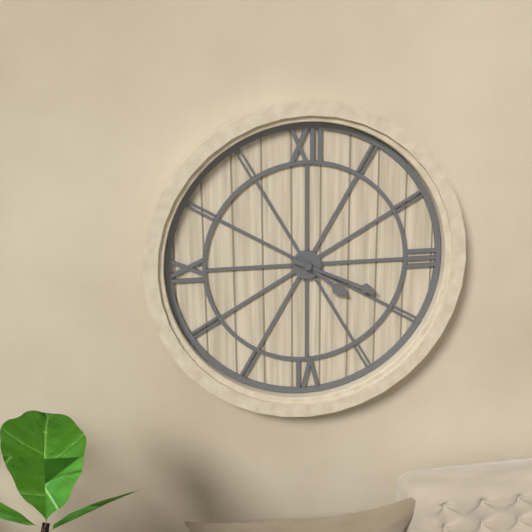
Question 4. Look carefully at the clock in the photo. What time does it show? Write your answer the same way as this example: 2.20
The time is 4.19
